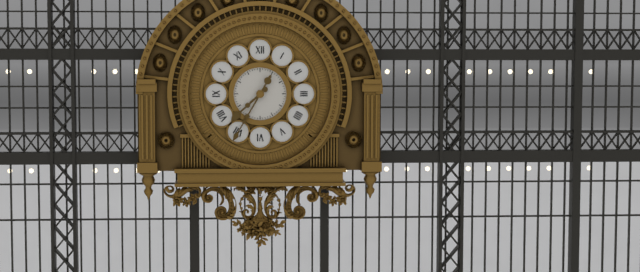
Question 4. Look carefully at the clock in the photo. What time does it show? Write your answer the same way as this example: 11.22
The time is 7.35
